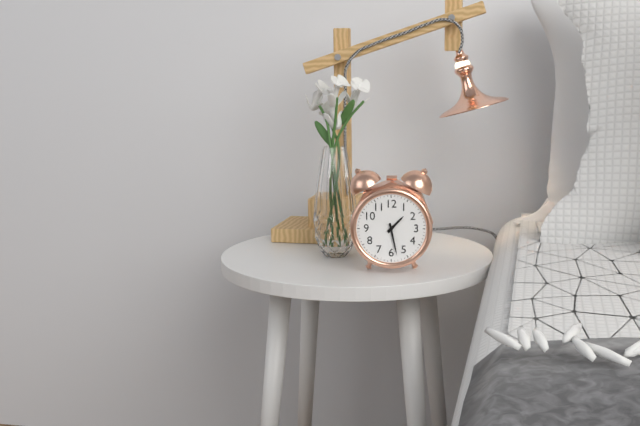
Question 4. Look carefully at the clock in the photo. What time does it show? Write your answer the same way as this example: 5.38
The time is 1.28
